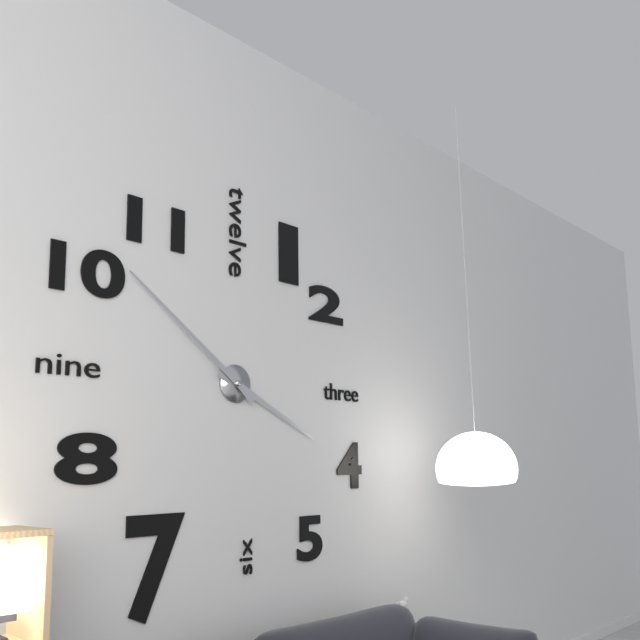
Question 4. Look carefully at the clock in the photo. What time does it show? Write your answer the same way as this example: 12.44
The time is 3.51
